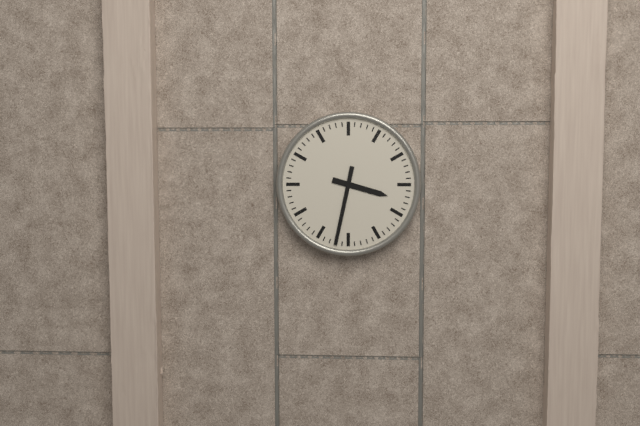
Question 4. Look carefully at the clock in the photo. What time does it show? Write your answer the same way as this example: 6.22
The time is 3.32
